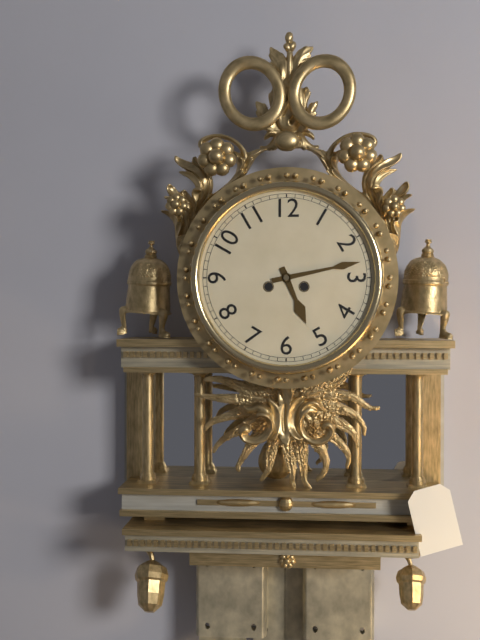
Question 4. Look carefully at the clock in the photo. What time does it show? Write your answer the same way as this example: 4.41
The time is 5.13
